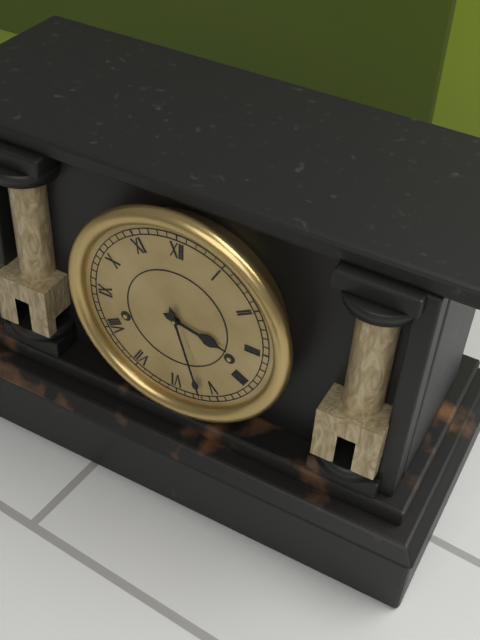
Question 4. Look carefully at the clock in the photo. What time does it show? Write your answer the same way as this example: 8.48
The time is 3.27
